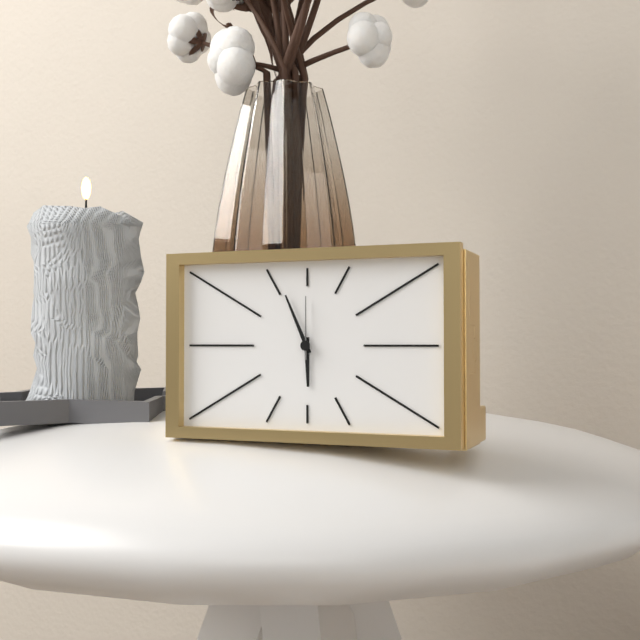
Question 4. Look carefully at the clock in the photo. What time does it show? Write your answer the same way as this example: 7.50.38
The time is 5.56.00
